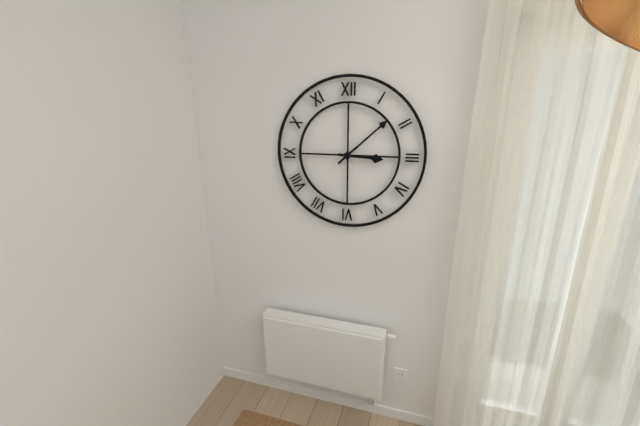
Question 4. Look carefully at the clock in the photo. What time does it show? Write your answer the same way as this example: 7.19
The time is 3.08
